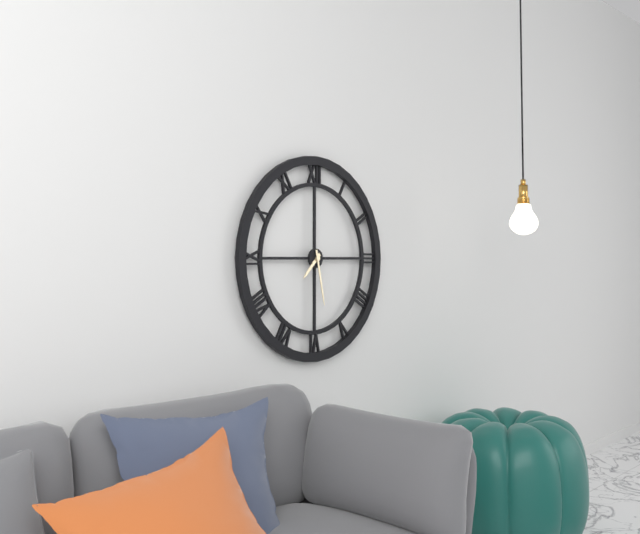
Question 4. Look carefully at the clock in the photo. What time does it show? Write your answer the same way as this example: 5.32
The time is 7.28
